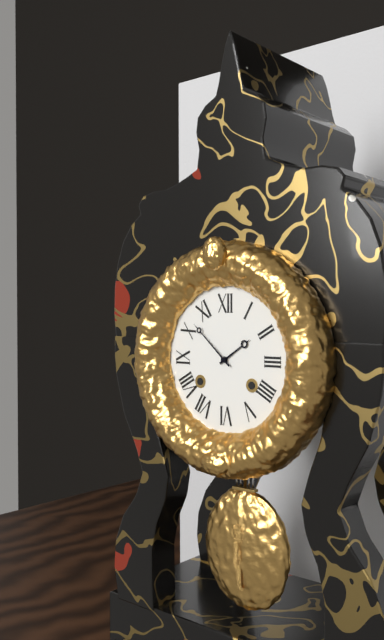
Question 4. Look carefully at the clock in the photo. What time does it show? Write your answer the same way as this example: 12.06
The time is 1.52
